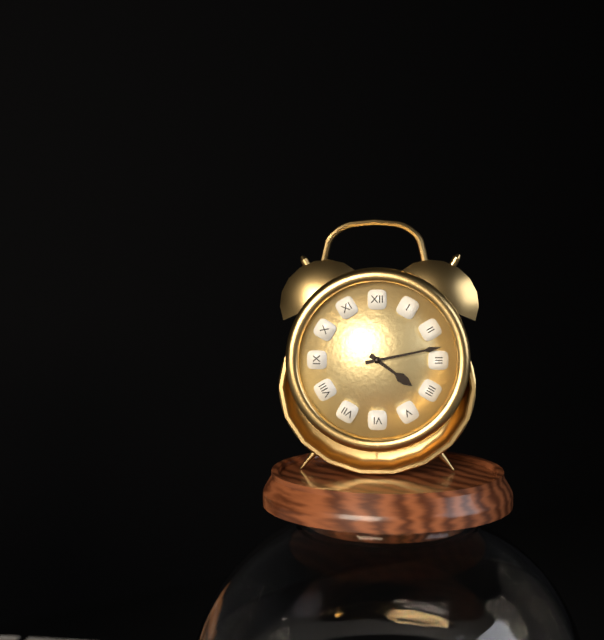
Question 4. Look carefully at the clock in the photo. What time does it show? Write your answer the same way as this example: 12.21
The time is 4.13
